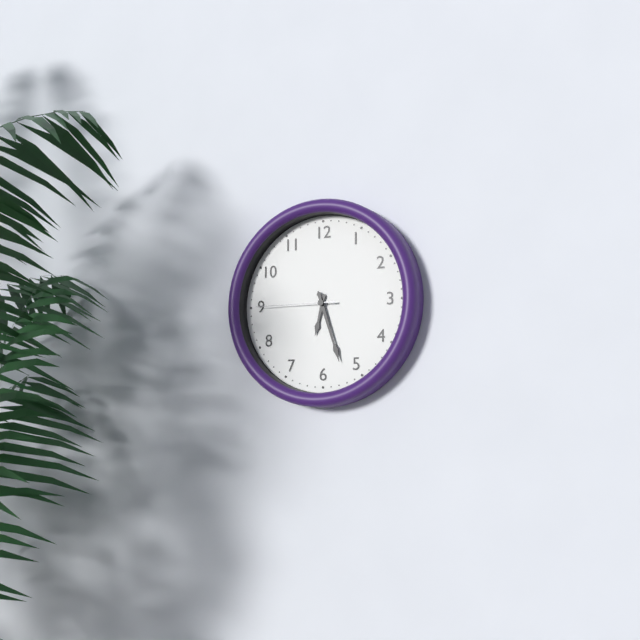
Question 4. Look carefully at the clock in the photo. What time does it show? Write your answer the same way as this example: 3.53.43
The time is 6.27.45
